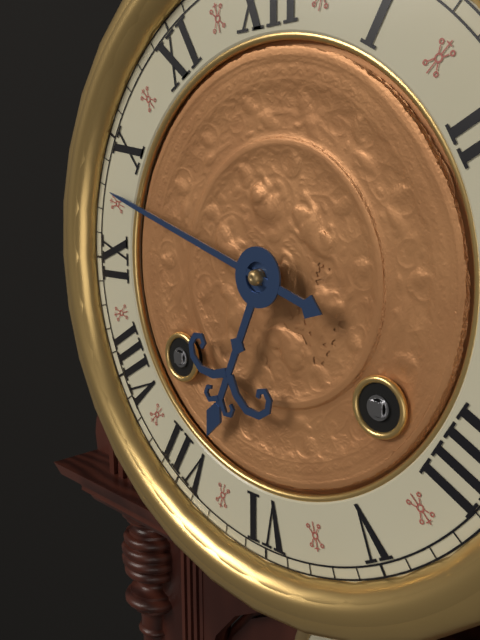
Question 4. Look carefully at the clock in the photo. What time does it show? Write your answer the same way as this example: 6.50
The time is 6.48
